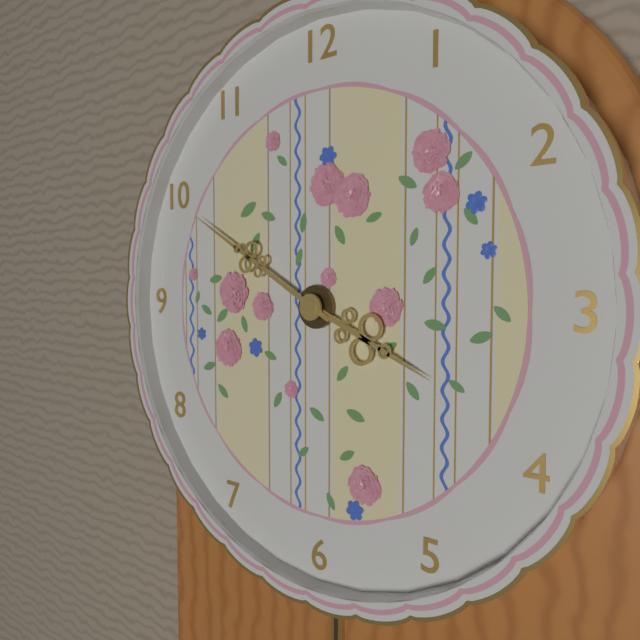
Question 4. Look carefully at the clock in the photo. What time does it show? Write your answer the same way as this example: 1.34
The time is 3.50
